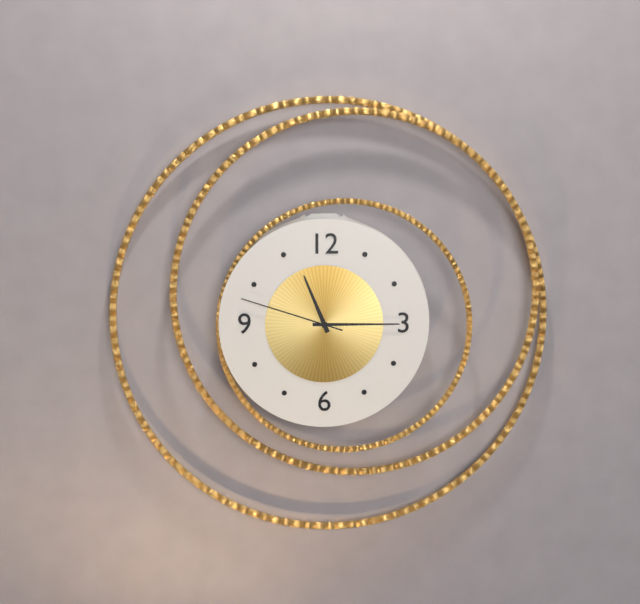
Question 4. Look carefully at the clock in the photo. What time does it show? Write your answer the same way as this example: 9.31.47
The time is 11.15.48
